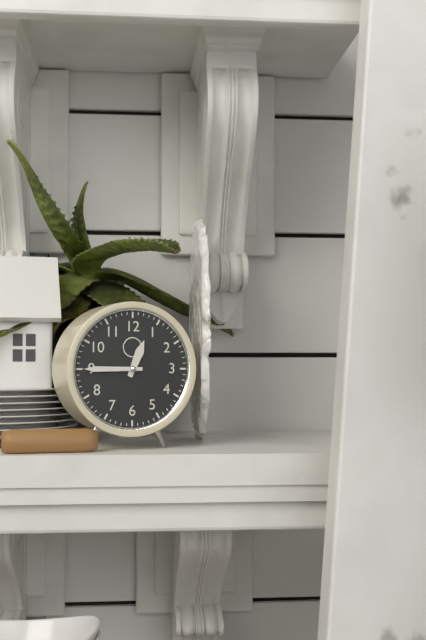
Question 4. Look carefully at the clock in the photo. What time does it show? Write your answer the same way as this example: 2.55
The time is 12.45
